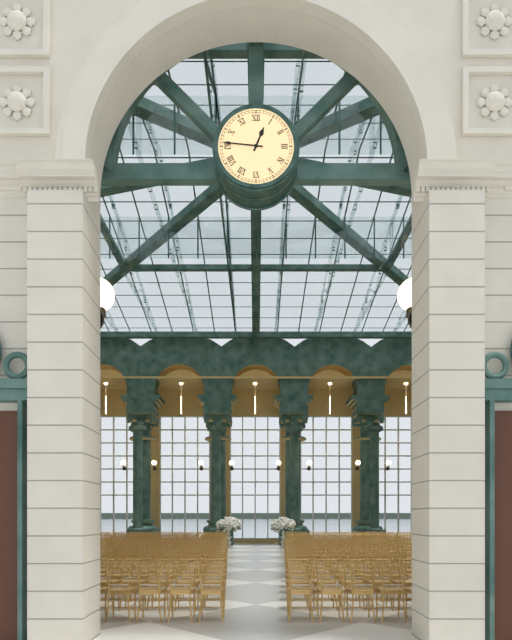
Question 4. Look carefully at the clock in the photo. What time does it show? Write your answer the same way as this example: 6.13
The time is 12.46
